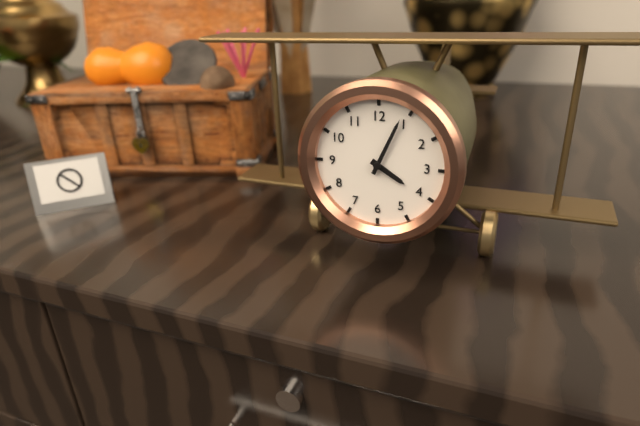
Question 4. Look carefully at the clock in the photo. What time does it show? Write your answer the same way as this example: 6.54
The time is 4.04
